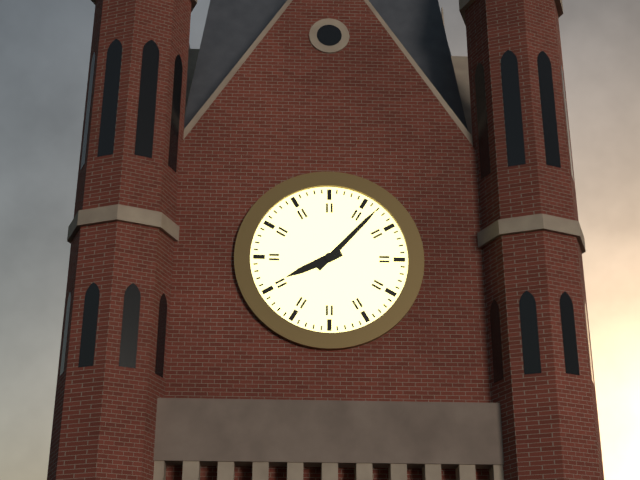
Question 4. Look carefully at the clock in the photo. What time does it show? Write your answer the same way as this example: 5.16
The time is 8.07
